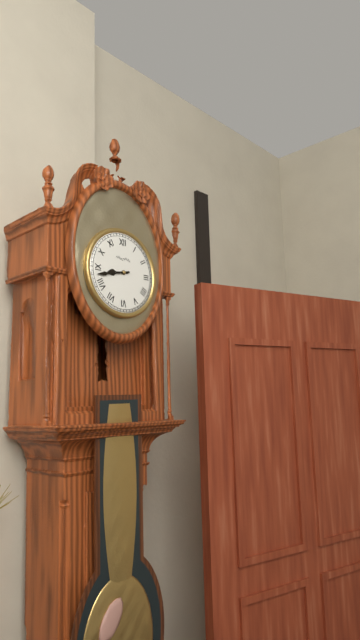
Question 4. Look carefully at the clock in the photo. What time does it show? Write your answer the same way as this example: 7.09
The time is 8.43
